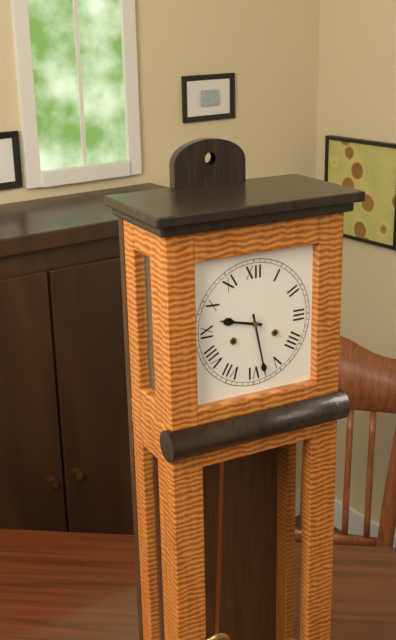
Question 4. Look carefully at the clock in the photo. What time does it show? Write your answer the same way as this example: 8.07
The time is 9.28
